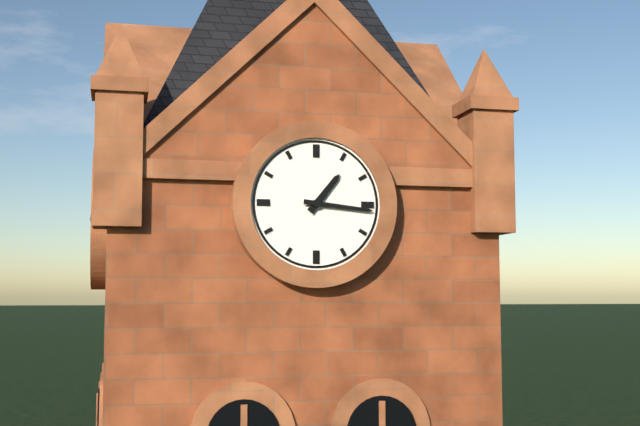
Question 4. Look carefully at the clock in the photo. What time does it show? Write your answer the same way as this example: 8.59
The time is 1.16
